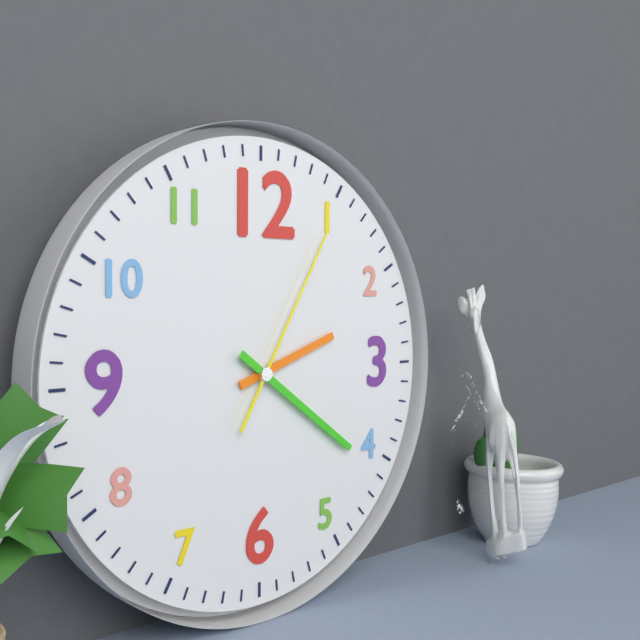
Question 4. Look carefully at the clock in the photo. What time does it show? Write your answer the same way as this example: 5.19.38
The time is 2.21.05
